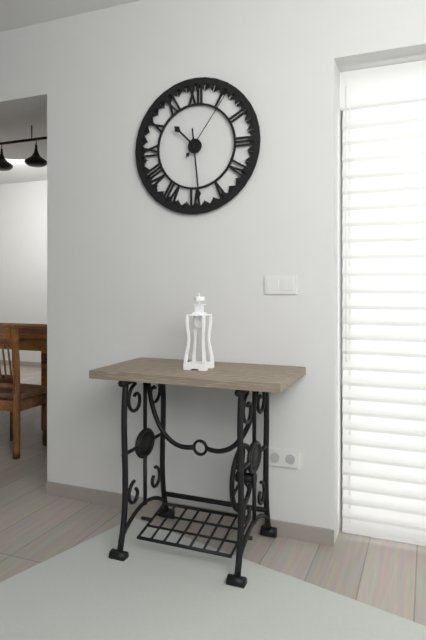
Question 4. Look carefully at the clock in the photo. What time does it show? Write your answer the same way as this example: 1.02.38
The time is 10.29.06
